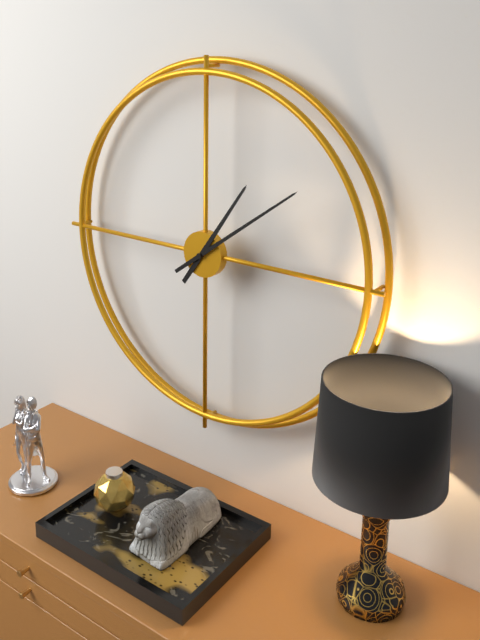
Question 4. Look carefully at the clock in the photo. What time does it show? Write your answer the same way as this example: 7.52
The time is 1.09
